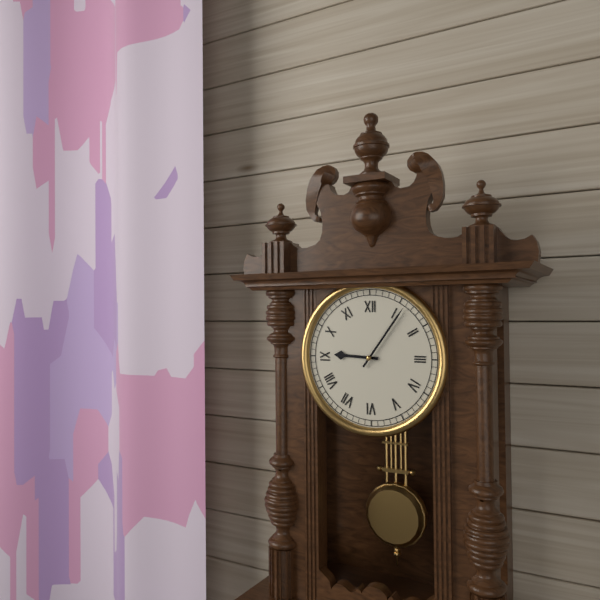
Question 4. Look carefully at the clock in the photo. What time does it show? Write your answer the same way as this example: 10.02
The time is 9.06
